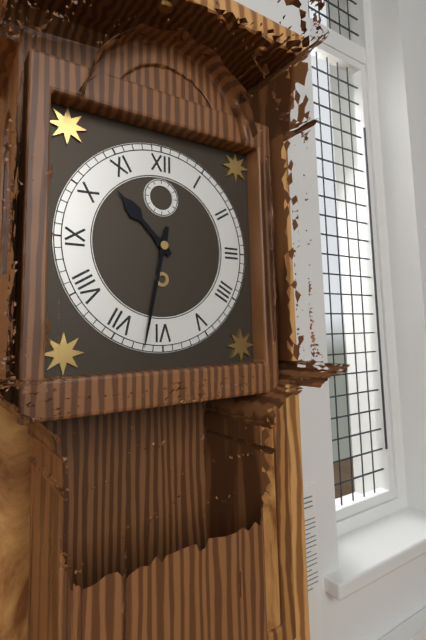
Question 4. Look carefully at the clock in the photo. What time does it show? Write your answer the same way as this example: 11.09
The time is 10.32
